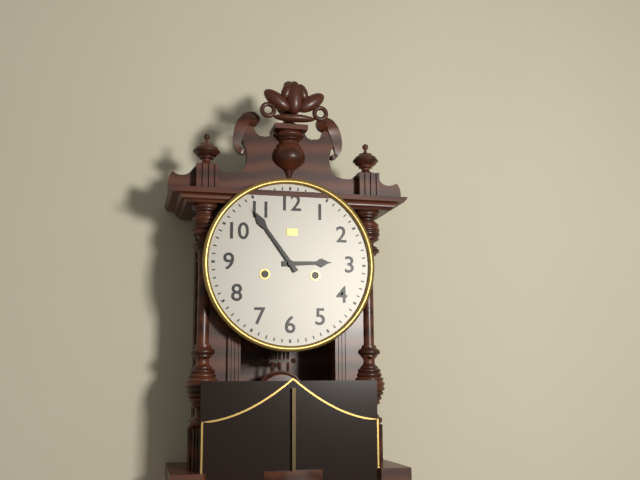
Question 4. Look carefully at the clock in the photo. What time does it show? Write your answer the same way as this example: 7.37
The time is 2.54
